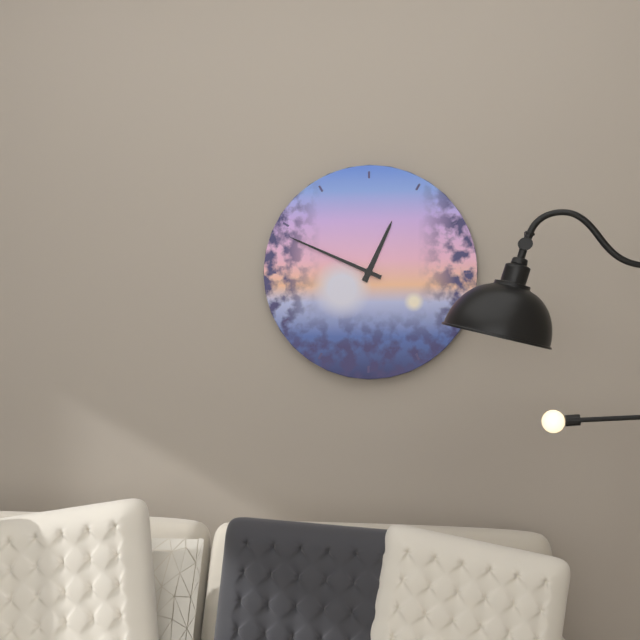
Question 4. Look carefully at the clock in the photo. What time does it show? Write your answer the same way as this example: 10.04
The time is 12.49
